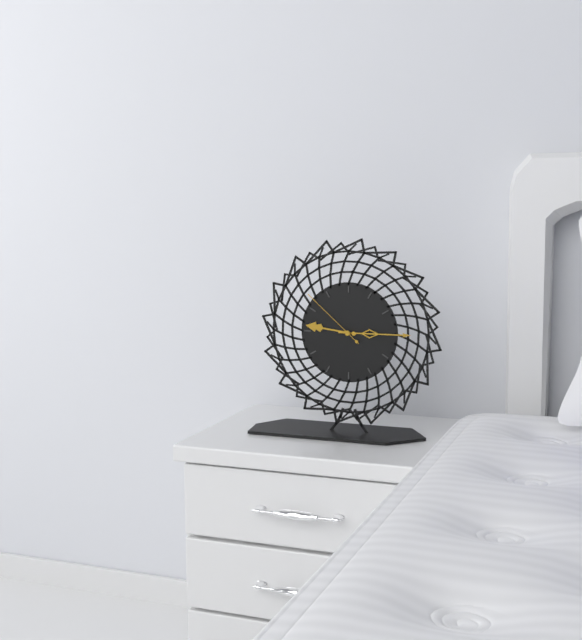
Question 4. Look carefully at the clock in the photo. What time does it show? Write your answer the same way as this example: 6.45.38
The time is 9.15.52
